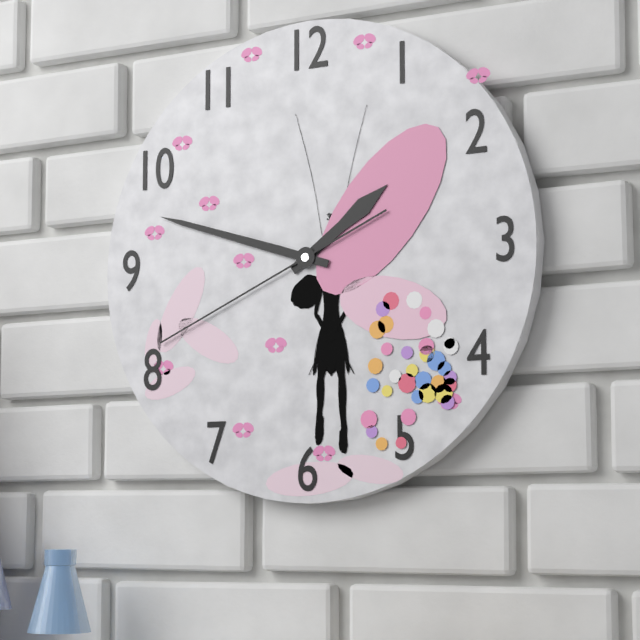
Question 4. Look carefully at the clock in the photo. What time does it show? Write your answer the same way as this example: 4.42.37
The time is 1.48.41
